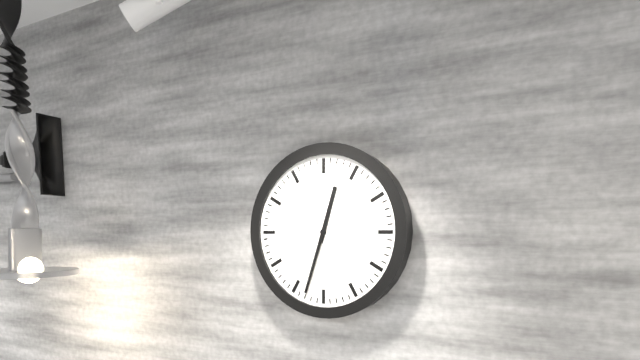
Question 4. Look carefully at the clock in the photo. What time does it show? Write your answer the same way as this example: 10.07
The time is 12.33
